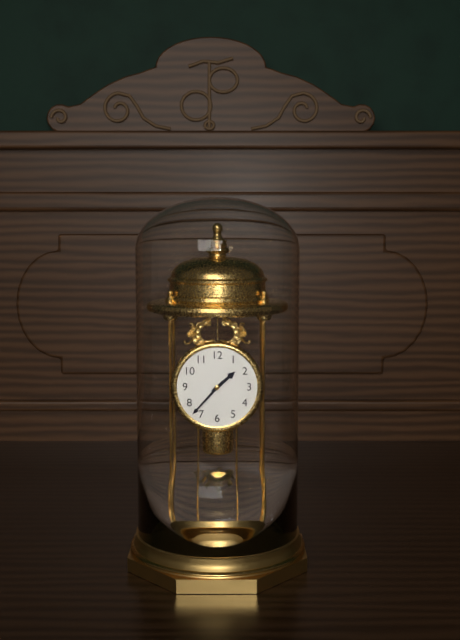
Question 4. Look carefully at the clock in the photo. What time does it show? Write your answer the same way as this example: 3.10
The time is 1.37
